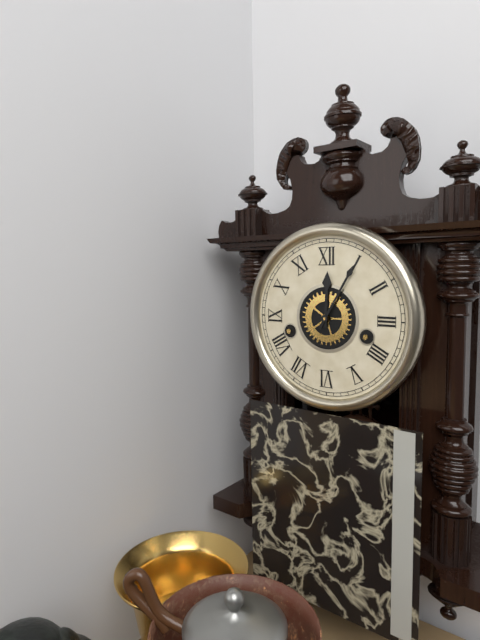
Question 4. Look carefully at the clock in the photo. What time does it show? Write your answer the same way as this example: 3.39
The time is 12.05
